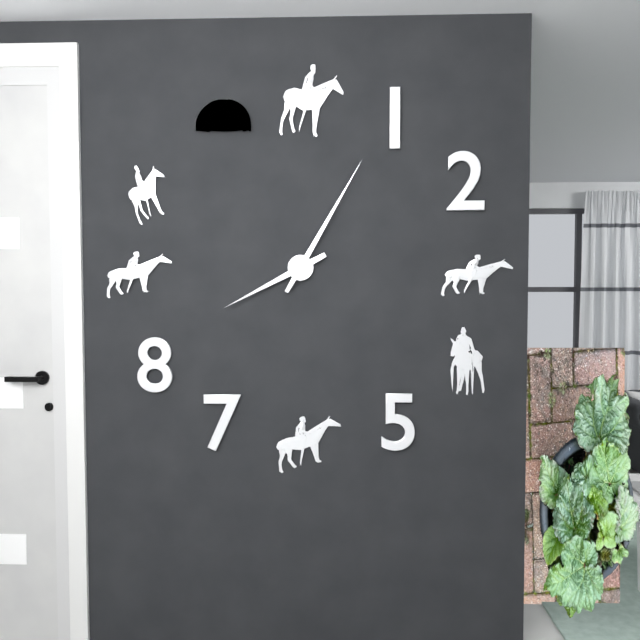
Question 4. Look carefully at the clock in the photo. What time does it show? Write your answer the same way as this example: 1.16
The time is 8.05
